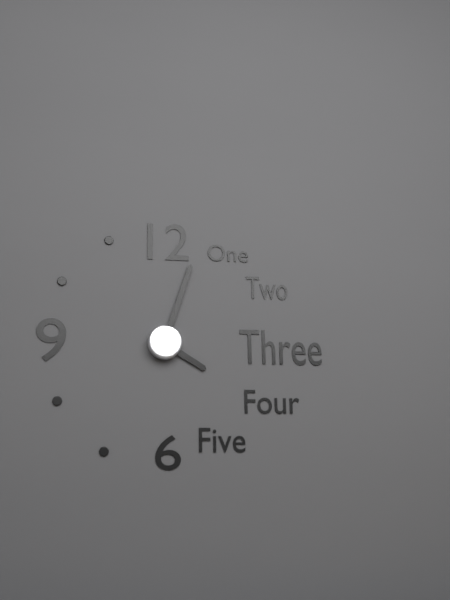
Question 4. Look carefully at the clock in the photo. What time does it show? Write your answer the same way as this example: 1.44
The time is 4.03
